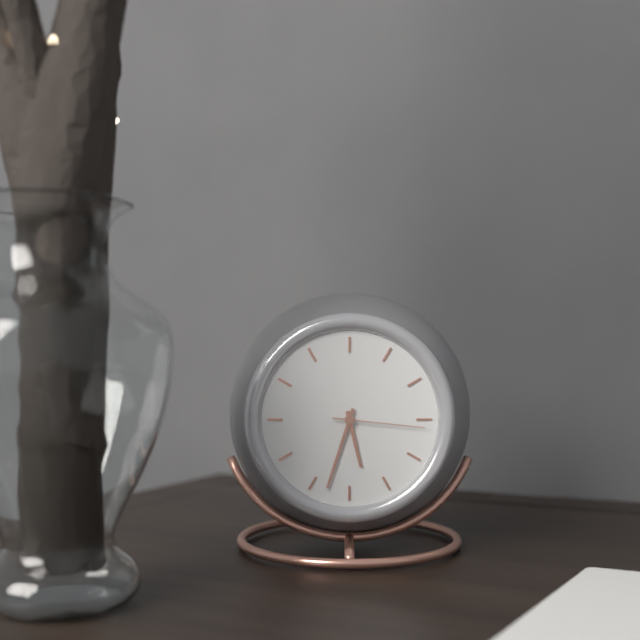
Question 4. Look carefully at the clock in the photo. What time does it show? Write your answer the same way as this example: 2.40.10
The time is 5.33.16
